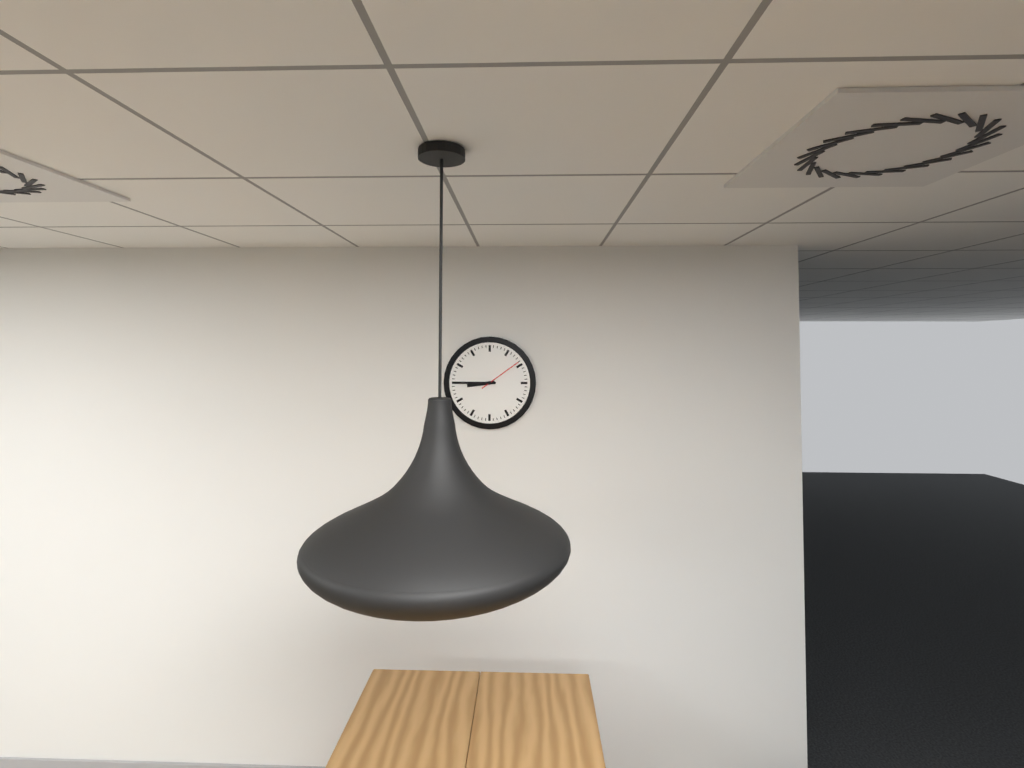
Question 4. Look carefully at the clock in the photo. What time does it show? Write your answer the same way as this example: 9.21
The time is 8.45
